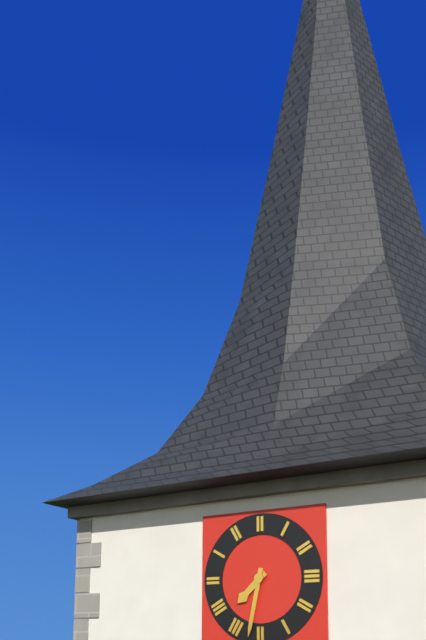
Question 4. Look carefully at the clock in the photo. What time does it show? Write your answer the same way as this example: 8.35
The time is 7.32
